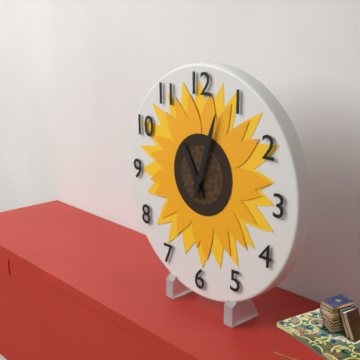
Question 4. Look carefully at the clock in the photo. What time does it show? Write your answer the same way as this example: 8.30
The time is 11.03
